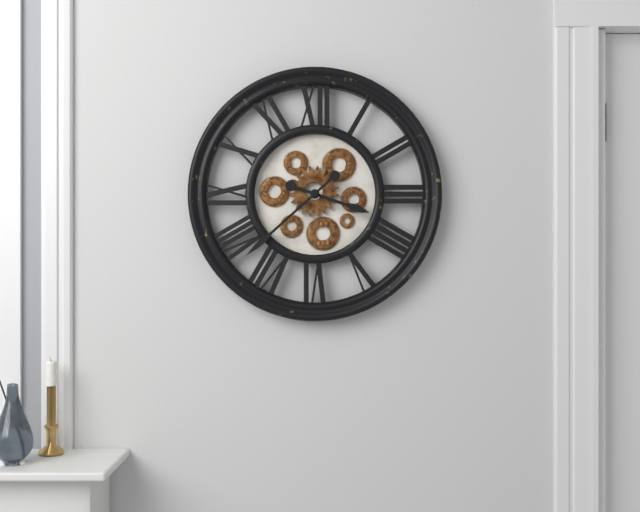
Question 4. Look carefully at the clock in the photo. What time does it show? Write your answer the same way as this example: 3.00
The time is 3.38
